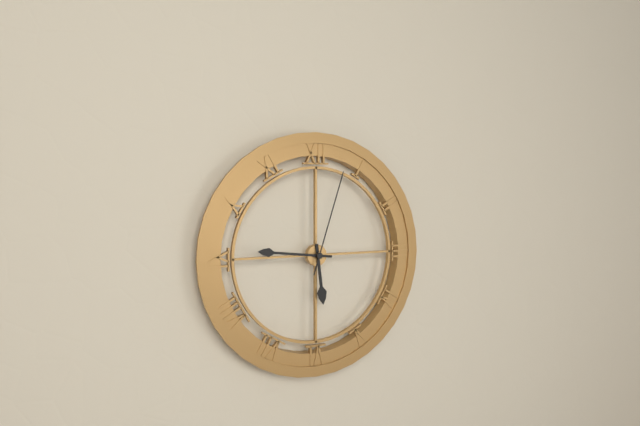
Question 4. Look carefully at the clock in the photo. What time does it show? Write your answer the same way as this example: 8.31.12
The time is 5.46.03
